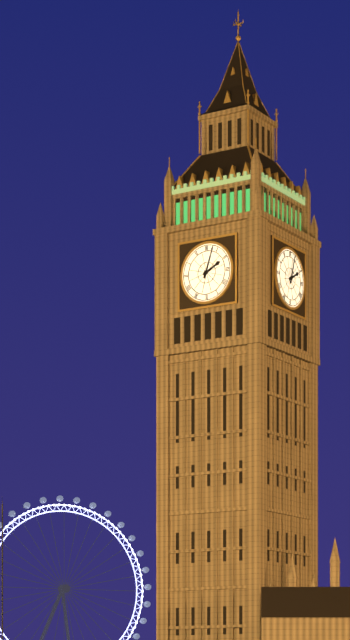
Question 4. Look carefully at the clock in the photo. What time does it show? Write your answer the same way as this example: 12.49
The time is 2.03
